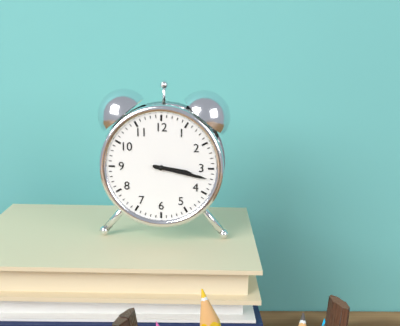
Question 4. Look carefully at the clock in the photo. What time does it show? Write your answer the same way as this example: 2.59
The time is 3.17
